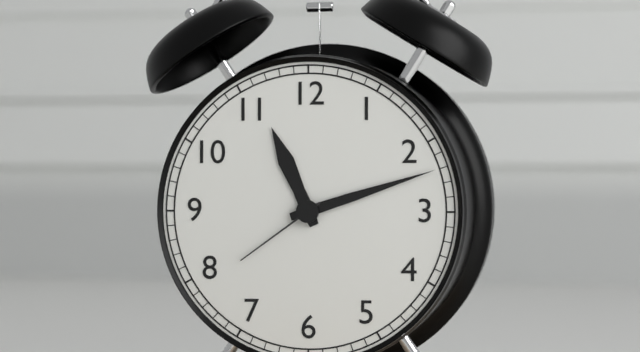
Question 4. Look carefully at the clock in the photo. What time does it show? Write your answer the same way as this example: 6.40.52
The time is 11.12.39
